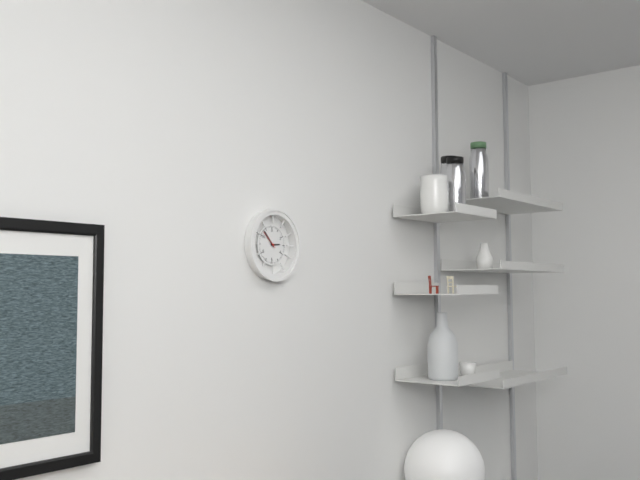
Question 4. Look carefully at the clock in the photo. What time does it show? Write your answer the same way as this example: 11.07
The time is 2.53
